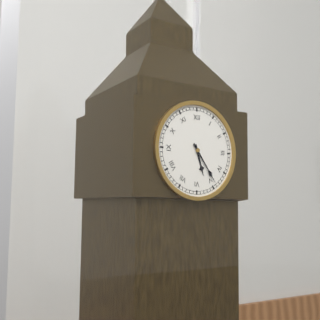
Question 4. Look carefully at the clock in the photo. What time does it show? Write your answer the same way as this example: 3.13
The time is 5.24
